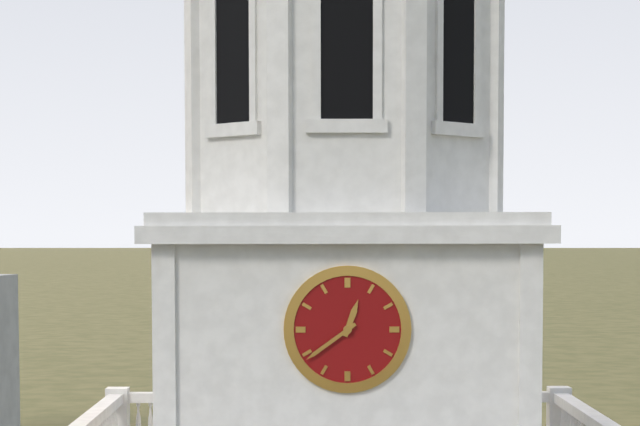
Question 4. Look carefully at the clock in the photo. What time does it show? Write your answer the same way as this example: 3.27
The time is 12.39
